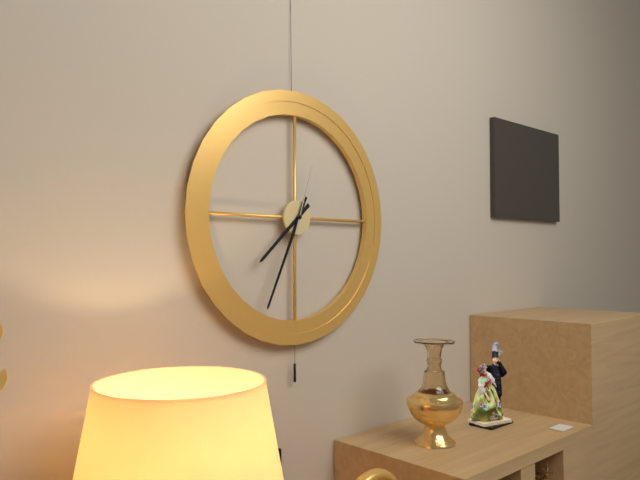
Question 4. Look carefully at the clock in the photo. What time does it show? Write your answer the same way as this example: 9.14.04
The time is 7.34.03
